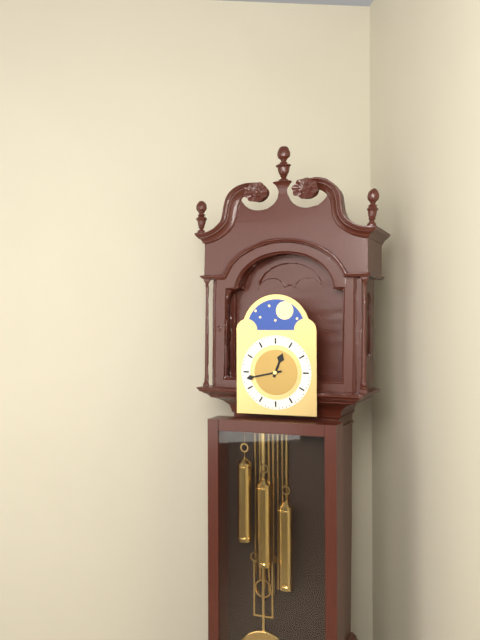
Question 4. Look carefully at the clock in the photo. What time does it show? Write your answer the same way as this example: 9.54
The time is 12.43
